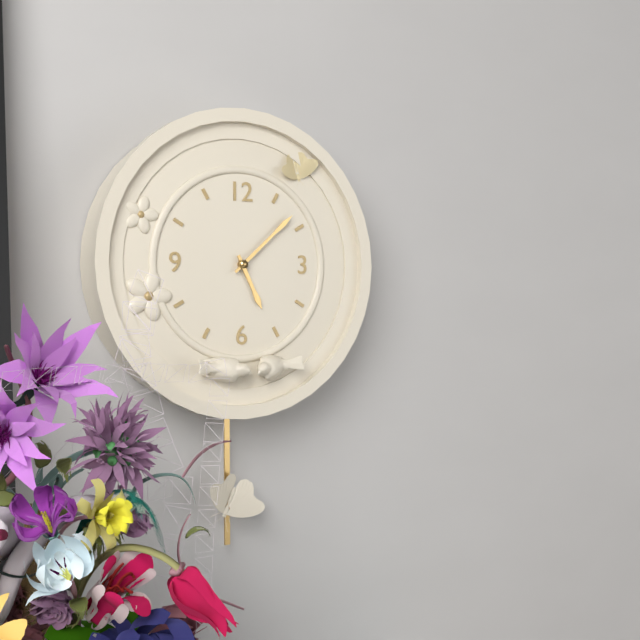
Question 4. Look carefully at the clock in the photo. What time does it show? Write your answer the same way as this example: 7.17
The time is 5.08
